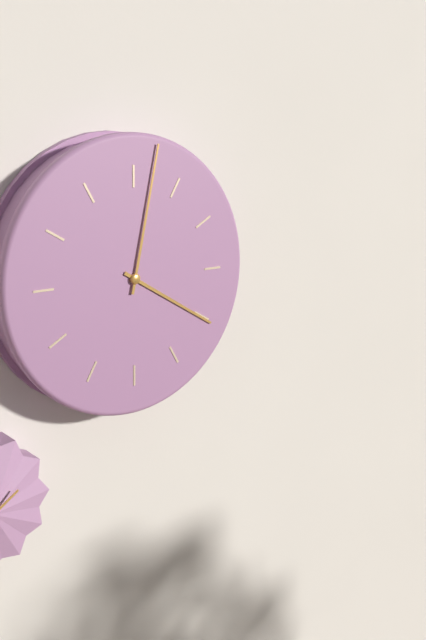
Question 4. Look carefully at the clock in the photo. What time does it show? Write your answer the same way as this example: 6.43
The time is 4.02
